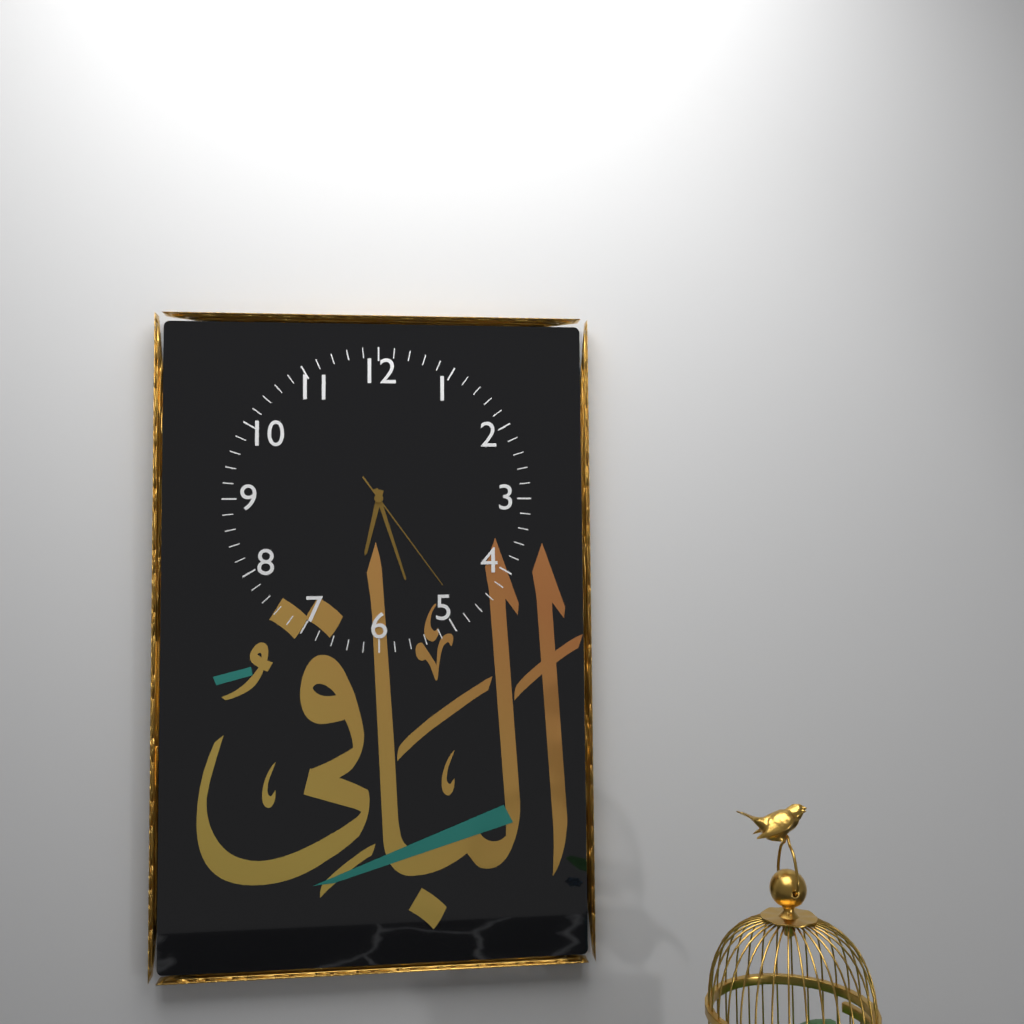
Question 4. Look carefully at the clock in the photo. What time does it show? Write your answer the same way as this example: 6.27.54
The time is 6.27.24
